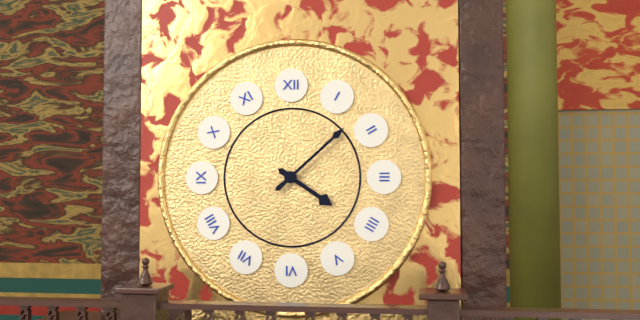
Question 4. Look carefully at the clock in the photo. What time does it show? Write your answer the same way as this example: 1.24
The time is 4.08
